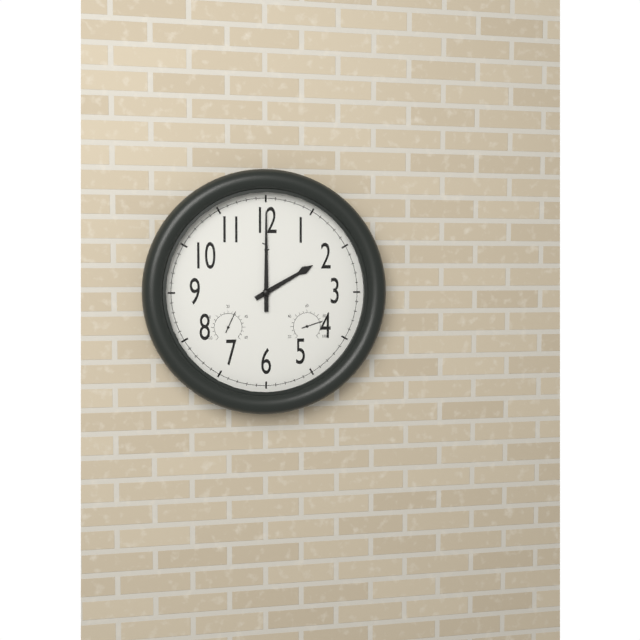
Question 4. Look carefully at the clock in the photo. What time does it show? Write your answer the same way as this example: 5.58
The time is 2.00
